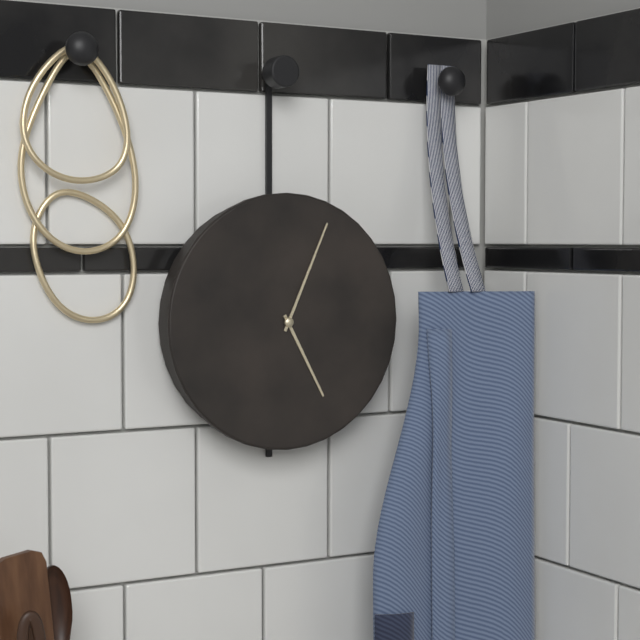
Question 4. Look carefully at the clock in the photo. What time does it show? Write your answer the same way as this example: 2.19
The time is 5.04
